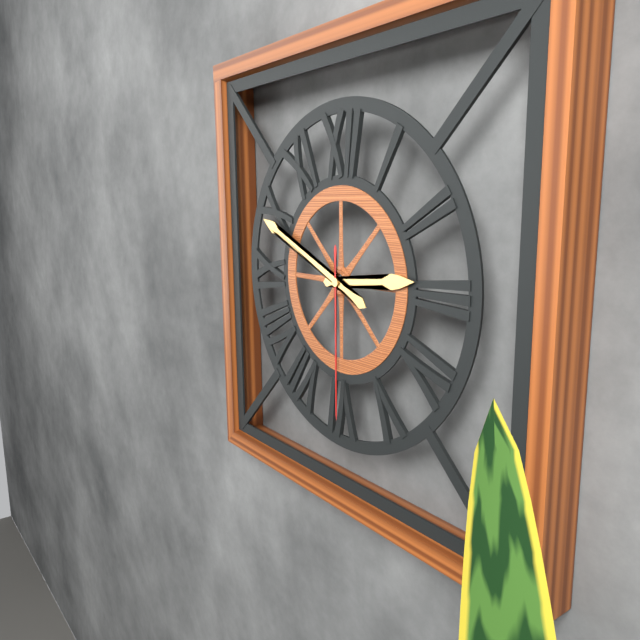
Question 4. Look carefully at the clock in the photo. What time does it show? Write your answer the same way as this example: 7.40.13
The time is 2.49.30
